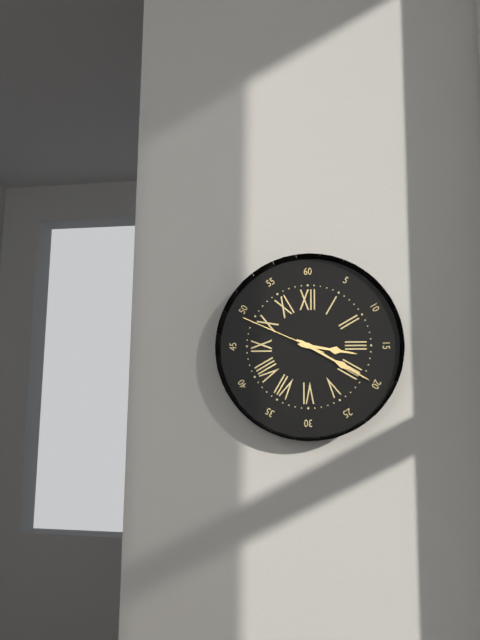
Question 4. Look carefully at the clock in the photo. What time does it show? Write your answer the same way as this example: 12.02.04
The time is 3.20.49
